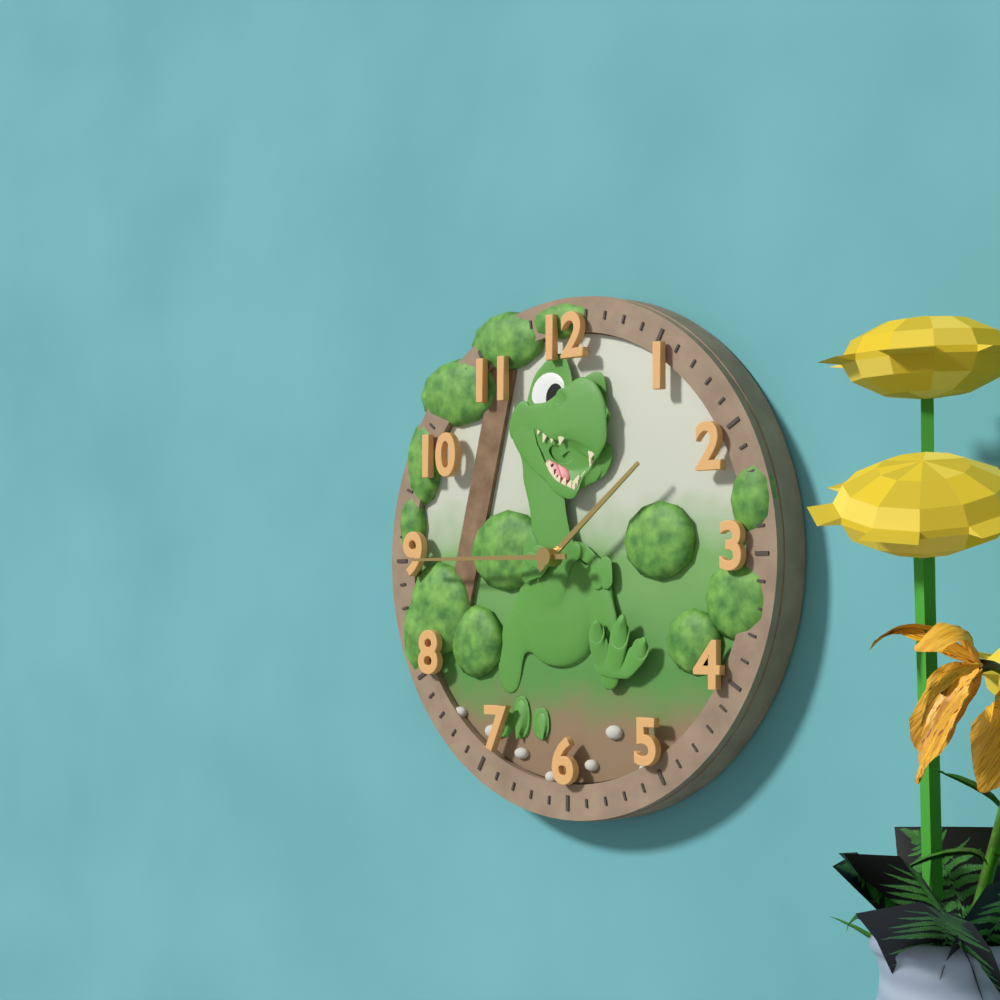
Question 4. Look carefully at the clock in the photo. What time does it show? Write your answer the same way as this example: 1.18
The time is 1.45
